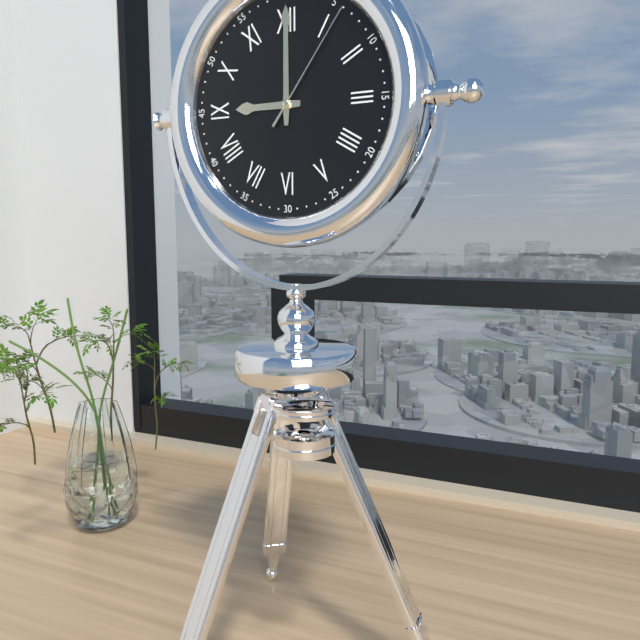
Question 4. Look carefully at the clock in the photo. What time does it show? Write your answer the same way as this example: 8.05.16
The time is 9.00.06
